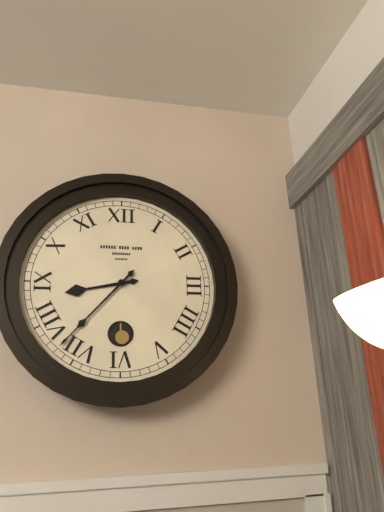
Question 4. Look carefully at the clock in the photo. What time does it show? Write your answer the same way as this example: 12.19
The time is 8.37
